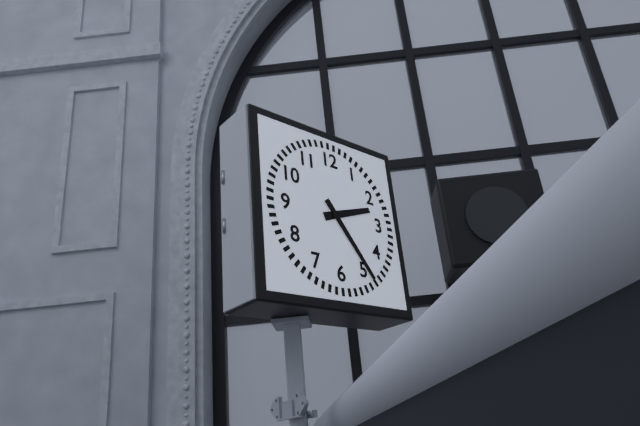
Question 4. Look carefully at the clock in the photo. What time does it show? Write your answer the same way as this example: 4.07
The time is 2.24
